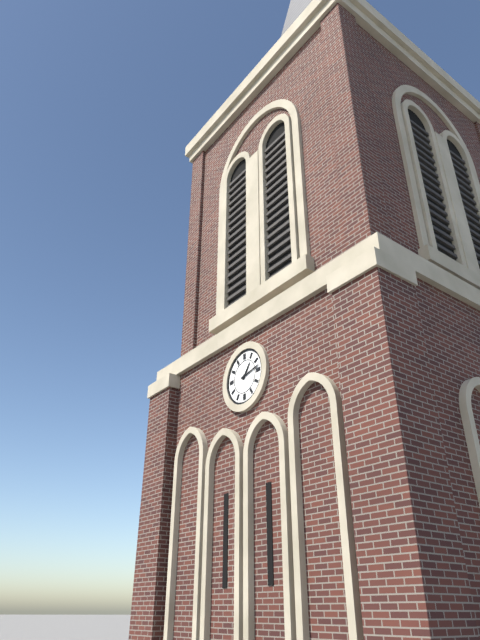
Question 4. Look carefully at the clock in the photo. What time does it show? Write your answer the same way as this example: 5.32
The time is 1.13
